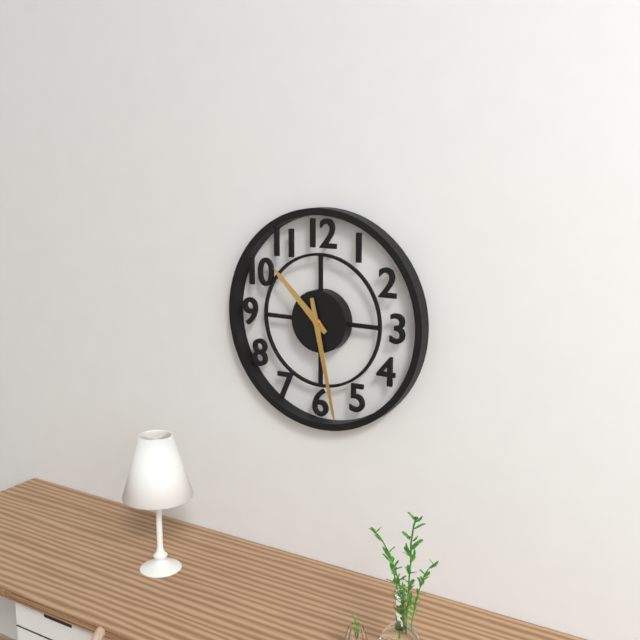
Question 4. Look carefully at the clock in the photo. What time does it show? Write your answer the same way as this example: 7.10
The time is 10.28
